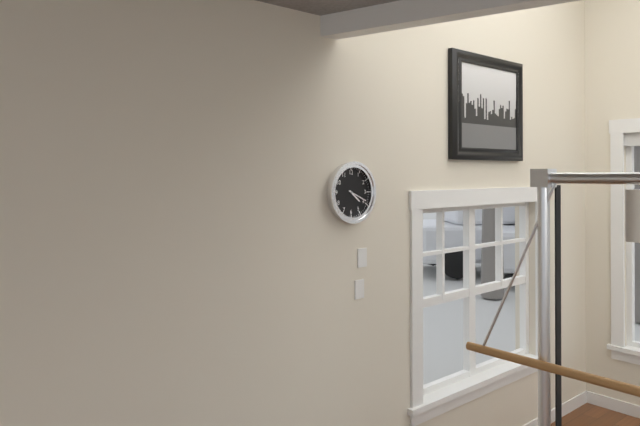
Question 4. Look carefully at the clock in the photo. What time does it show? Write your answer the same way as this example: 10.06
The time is 4.19
